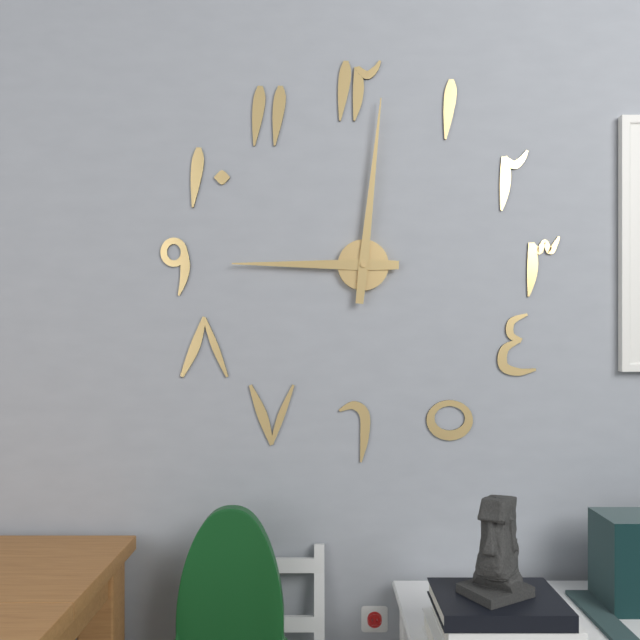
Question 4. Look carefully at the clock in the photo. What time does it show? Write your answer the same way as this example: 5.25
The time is 9.01
